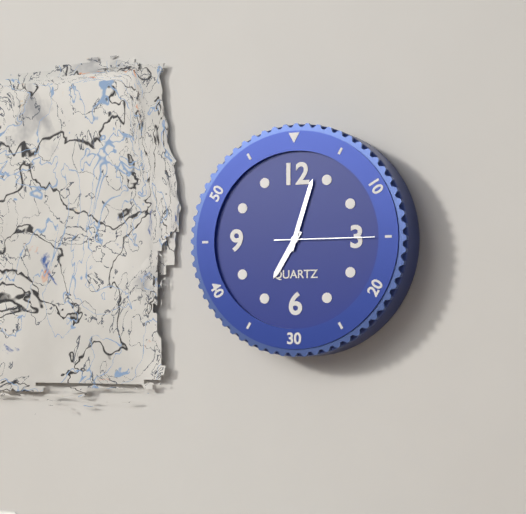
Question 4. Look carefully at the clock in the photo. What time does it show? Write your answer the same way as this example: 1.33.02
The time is 7.03.15
